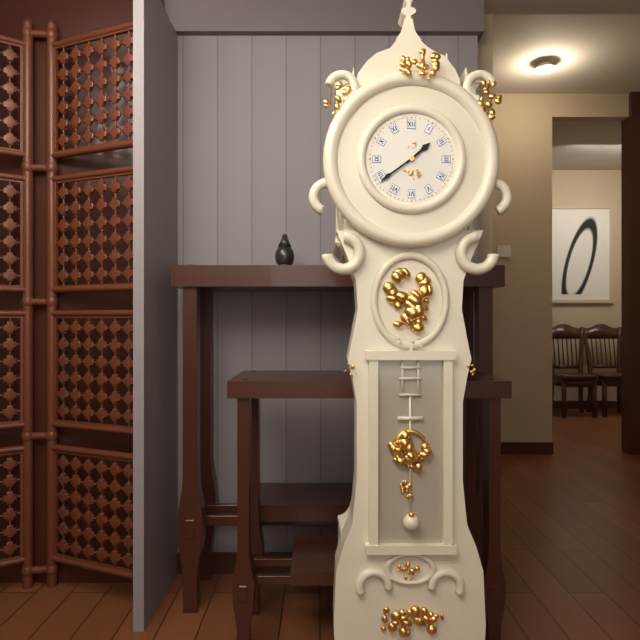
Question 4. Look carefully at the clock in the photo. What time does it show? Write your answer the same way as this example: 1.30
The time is 1.39
